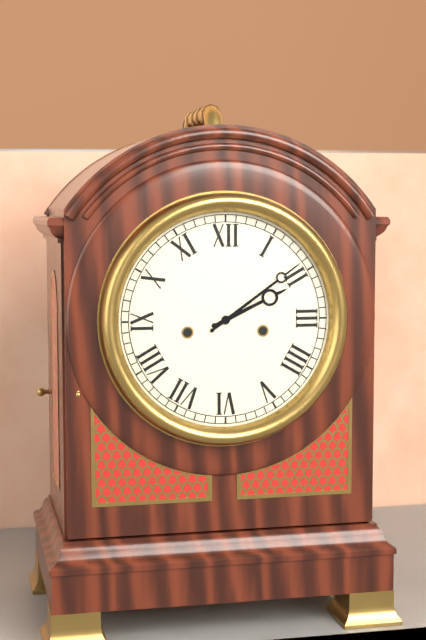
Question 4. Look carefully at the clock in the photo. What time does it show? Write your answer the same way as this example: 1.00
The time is 2.09
